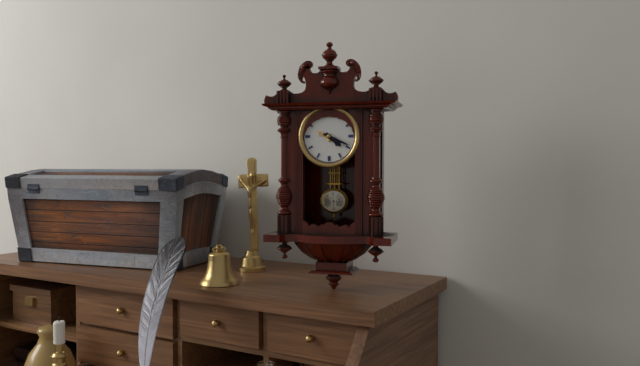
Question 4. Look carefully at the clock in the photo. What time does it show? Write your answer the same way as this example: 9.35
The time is 4.19
